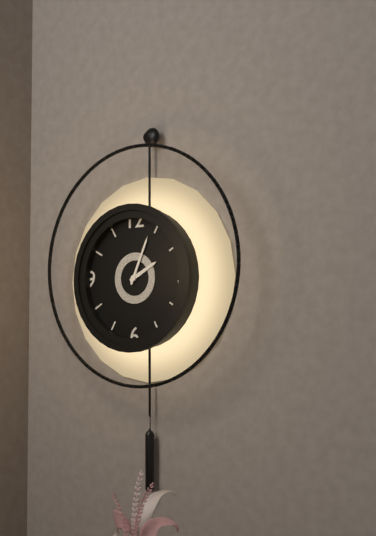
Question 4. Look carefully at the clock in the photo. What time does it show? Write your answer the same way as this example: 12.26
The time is 2.04
